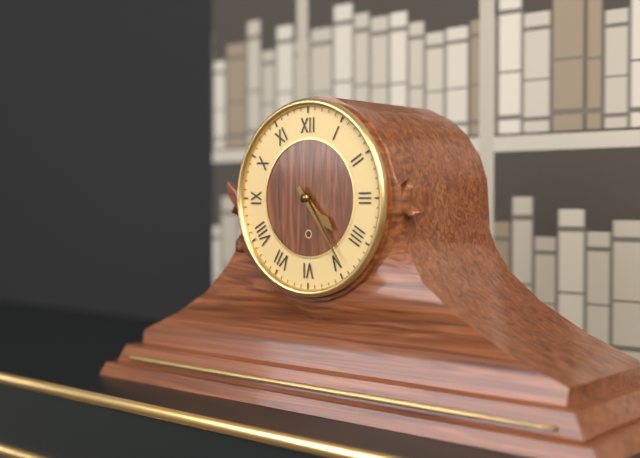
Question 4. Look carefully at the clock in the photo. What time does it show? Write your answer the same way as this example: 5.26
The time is 4.24
